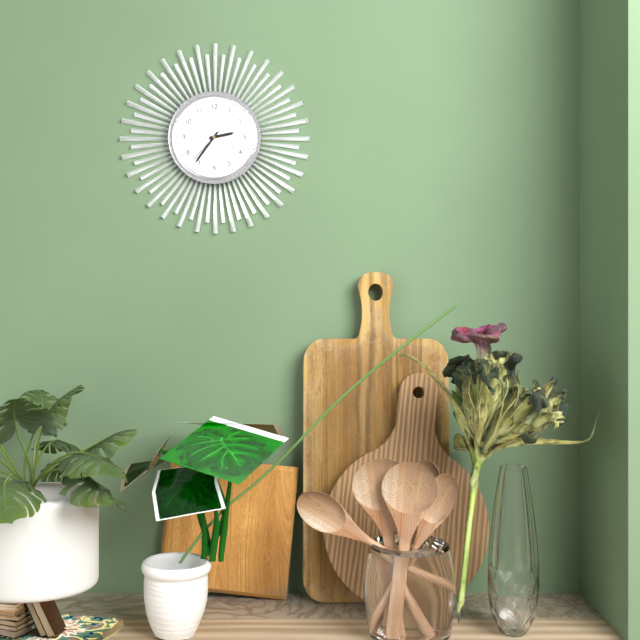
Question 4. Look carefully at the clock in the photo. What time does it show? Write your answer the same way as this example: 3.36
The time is 2.36
